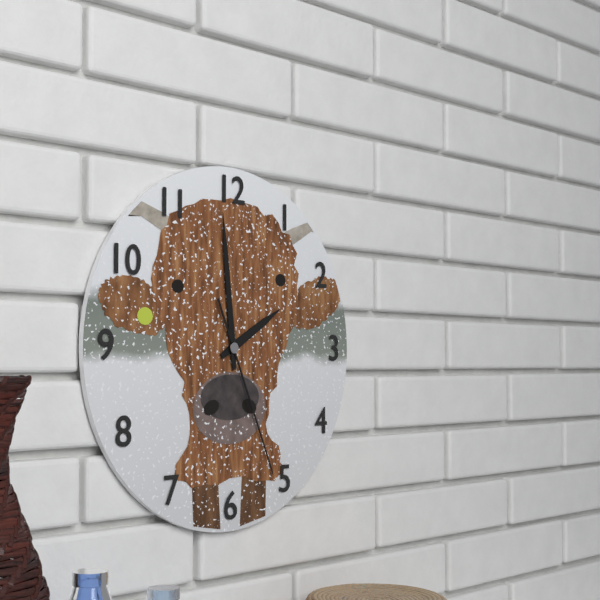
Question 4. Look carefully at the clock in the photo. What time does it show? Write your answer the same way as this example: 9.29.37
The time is 1.59.26
